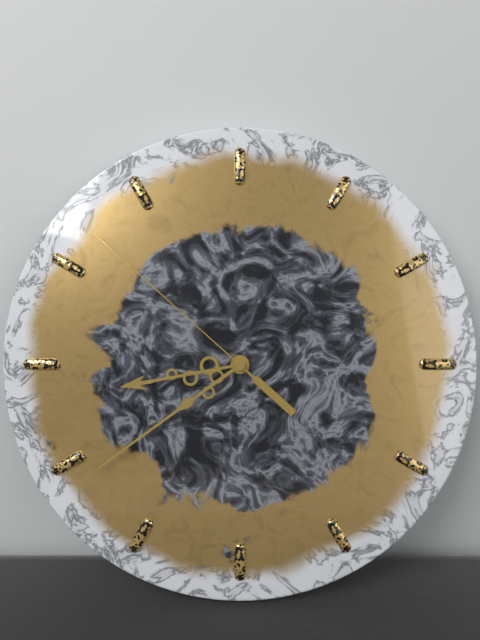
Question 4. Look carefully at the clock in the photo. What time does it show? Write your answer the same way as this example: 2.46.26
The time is 8.39.52
